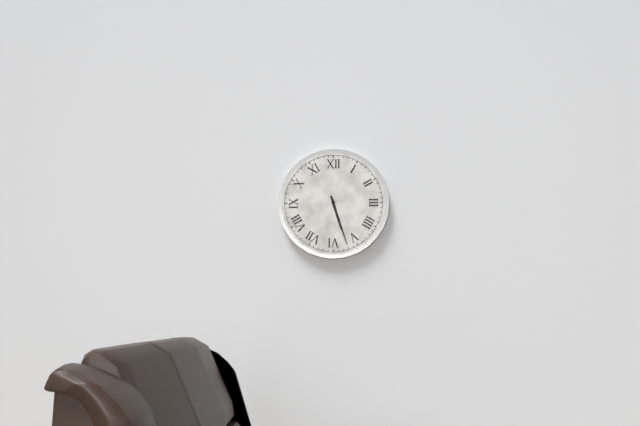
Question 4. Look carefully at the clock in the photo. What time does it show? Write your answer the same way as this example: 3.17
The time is 5.27
